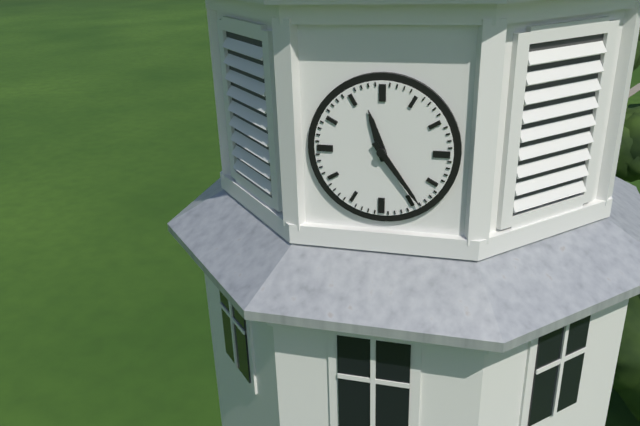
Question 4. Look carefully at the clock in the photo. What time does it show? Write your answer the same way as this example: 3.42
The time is 11.24
